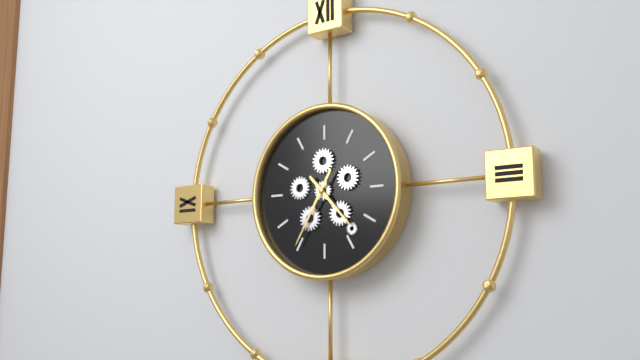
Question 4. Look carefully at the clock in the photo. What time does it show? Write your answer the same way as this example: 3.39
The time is 4.35
